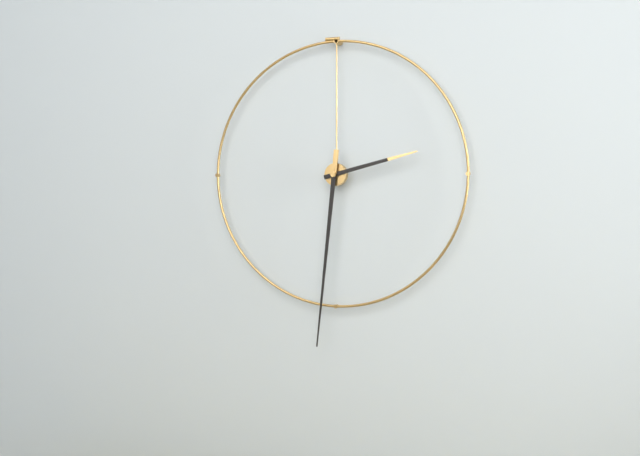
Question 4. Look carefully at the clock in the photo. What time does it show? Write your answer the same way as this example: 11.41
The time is 2.31
